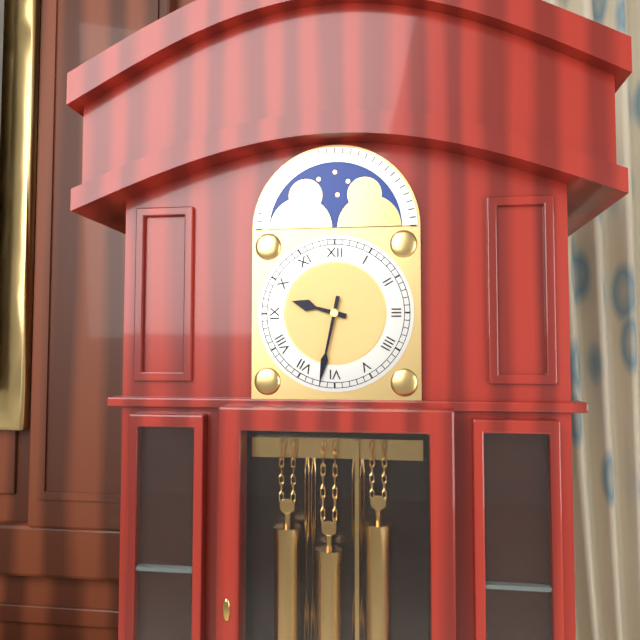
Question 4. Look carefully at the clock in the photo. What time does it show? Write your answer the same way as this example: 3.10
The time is 9.32
